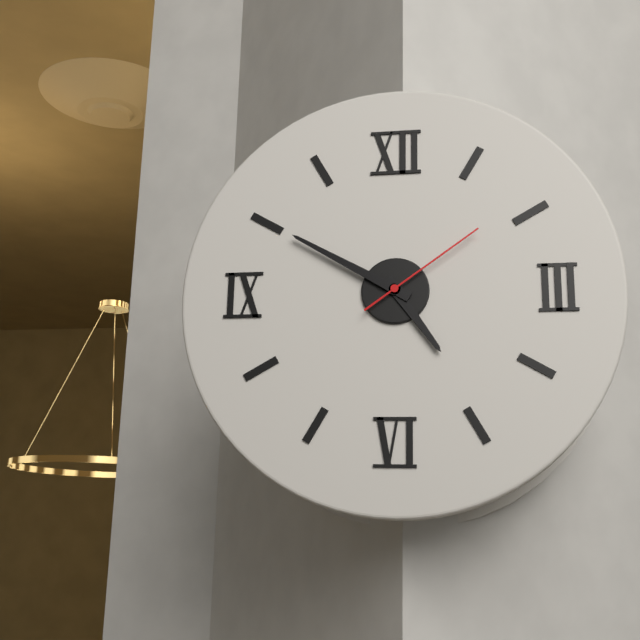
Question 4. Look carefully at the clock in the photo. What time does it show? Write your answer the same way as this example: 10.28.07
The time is 4.50.09
